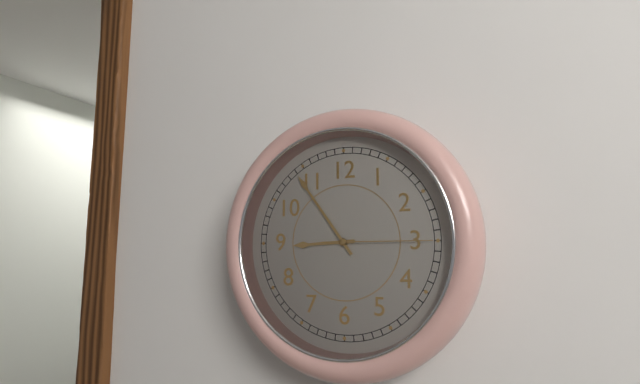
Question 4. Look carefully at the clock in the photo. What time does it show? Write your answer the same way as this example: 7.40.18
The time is 8.54.15
